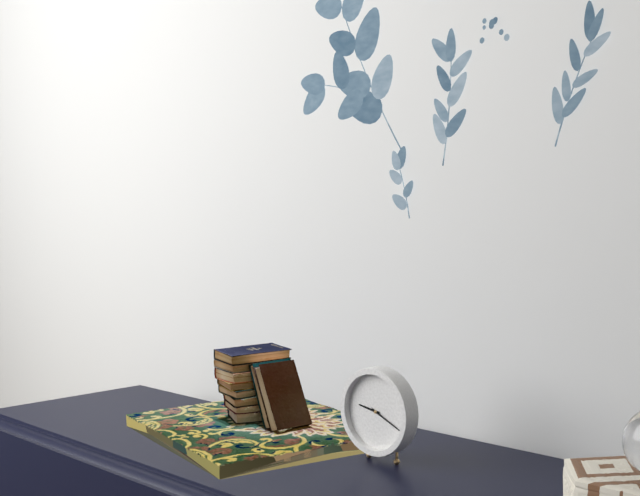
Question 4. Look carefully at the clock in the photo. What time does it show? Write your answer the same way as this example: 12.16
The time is 9.19
